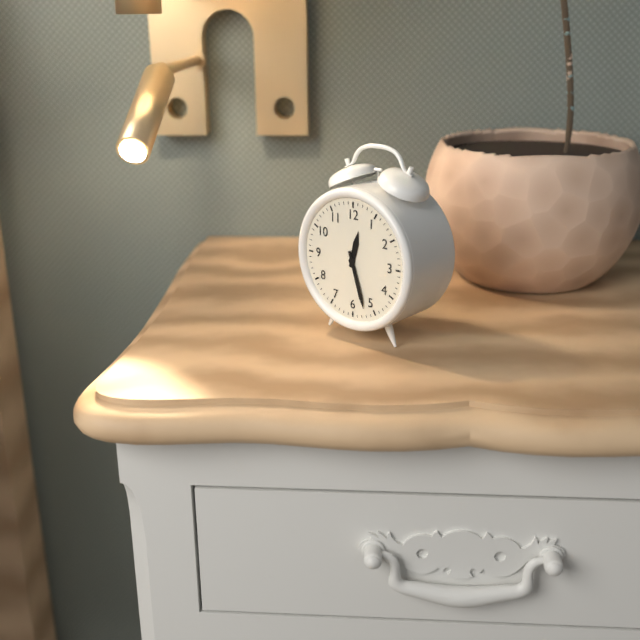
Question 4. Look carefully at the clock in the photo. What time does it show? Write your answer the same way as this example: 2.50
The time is 12.27
